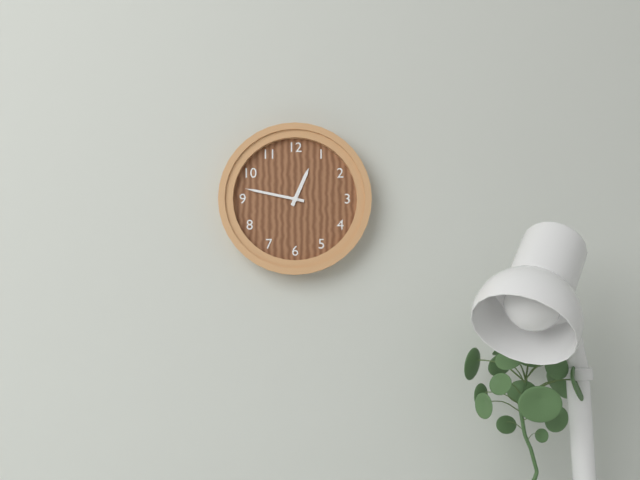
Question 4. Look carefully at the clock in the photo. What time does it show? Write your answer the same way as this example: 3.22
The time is 12.47
